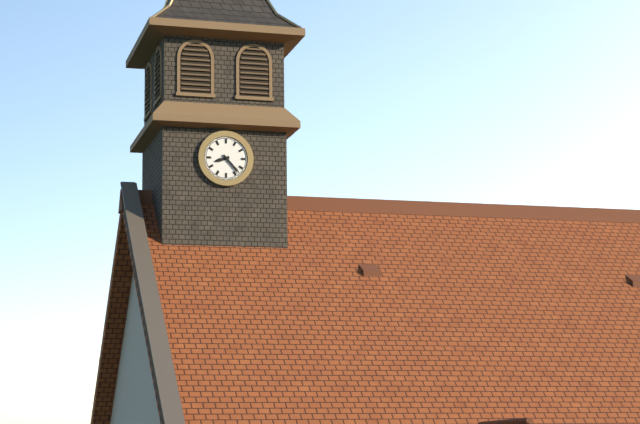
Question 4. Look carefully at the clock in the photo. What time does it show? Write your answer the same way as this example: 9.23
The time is 8.23
